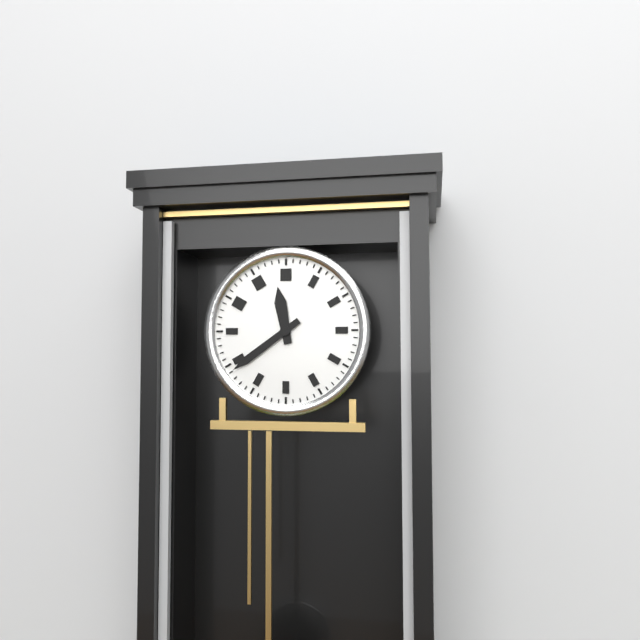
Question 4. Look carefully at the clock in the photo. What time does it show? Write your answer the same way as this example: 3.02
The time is 11.39
